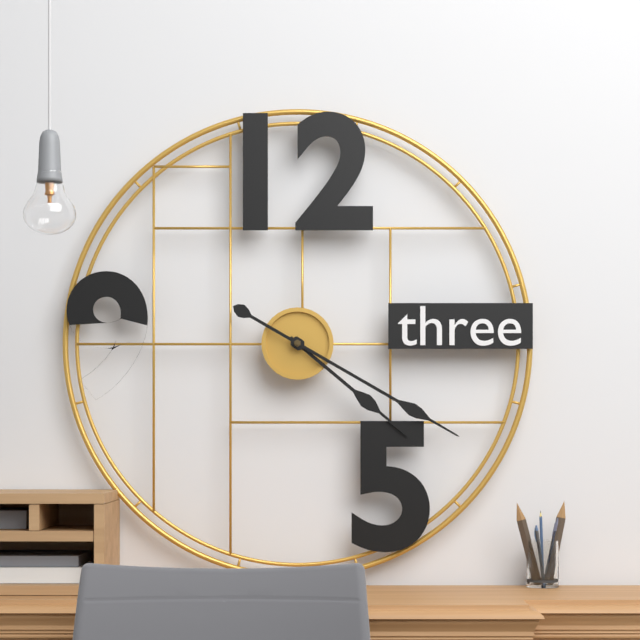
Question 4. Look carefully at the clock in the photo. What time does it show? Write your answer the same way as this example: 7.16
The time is 4.20
